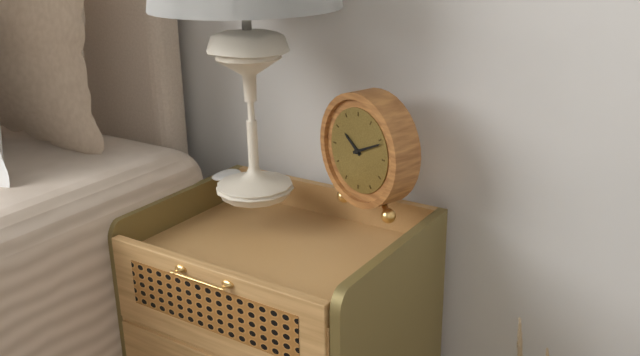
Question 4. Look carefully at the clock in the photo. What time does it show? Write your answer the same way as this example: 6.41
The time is 10.11
